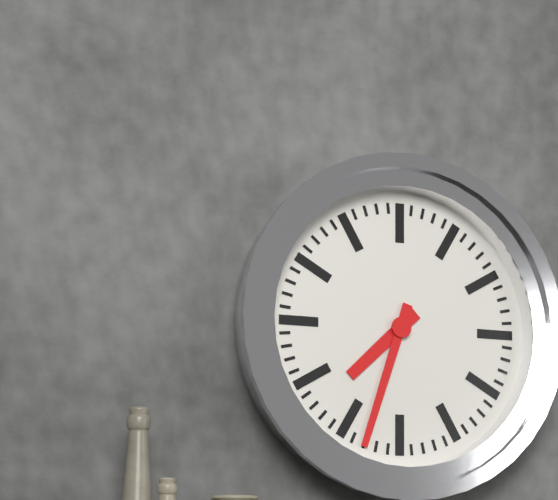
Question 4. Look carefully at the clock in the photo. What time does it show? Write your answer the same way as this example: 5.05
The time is 7.33
